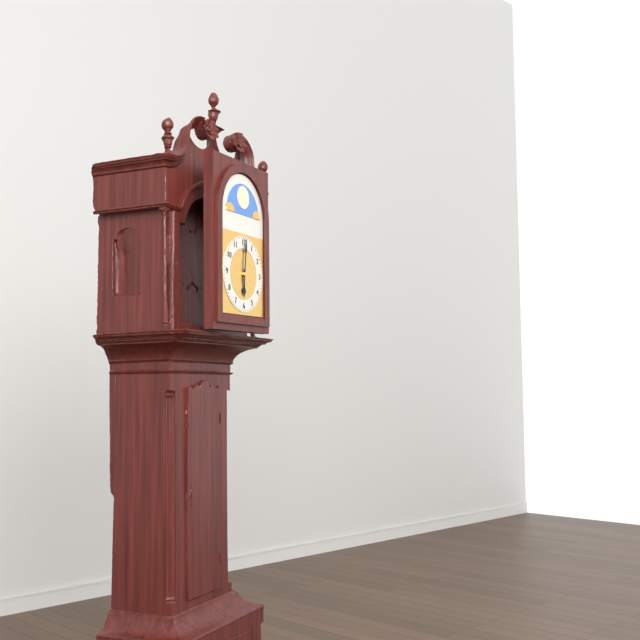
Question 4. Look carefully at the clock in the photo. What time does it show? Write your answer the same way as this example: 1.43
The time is 6.01
